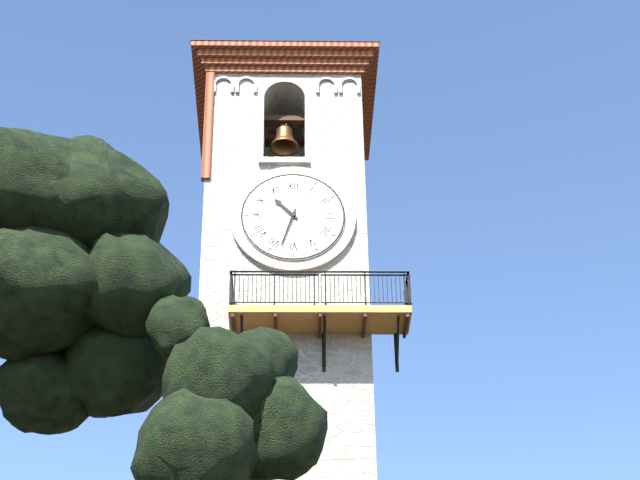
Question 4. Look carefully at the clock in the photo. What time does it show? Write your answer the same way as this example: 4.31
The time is 10.33
